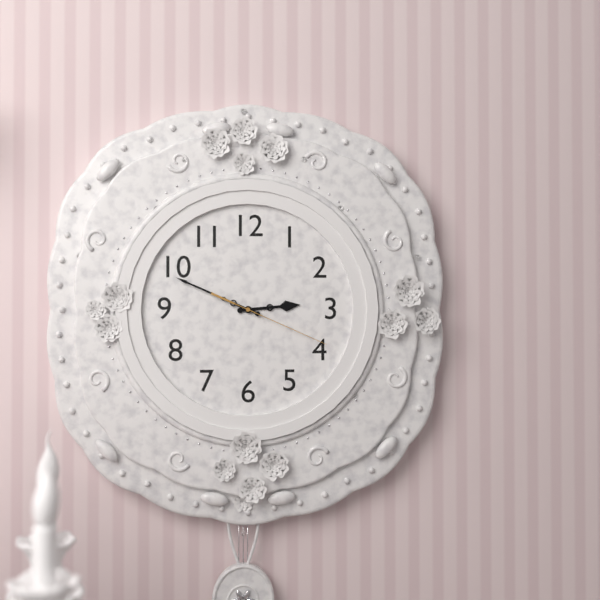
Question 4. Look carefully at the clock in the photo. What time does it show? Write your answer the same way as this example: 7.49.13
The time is 2.49.19
